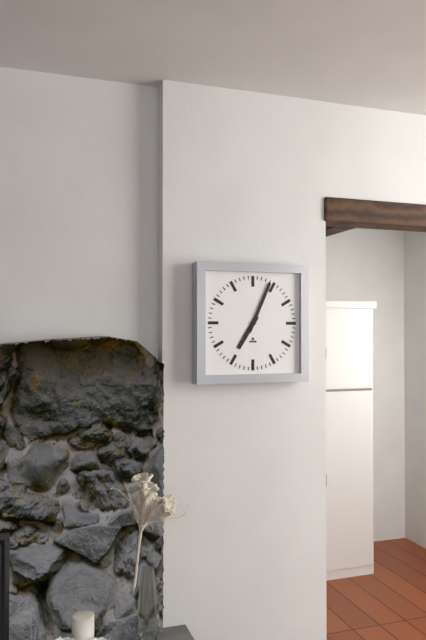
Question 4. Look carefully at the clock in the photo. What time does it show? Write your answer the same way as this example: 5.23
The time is 7.04
